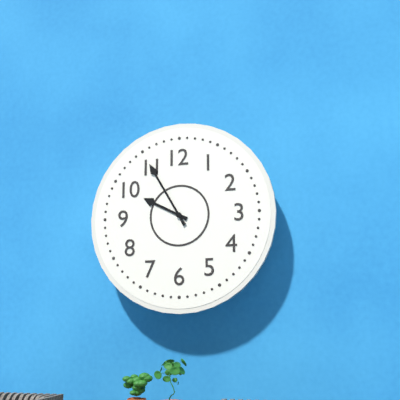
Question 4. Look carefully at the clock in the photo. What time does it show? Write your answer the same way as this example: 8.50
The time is 9.55
